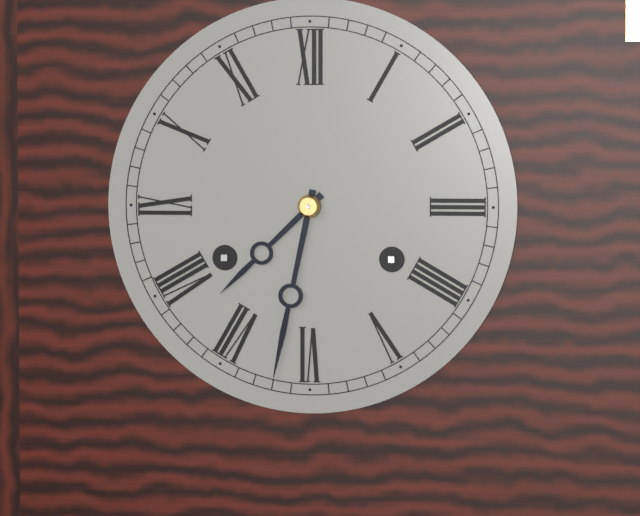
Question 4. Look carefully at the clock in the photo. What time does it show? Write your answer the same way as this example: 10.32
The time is 7.32
